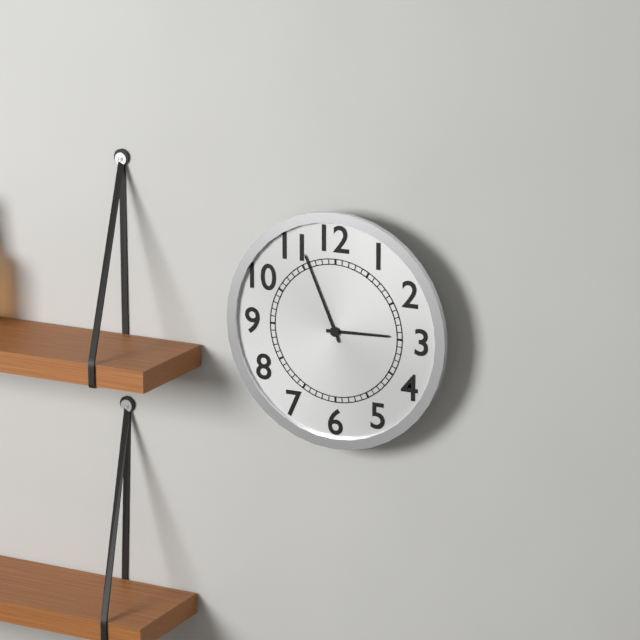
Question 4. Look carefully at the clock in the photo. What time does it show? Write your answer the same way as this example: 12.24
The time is 2.56
